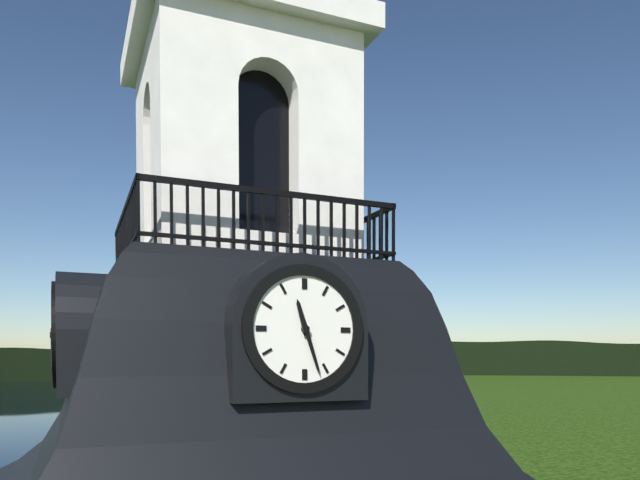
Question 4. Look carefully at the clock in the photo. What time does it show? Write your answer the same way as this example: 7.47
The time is 11.27
